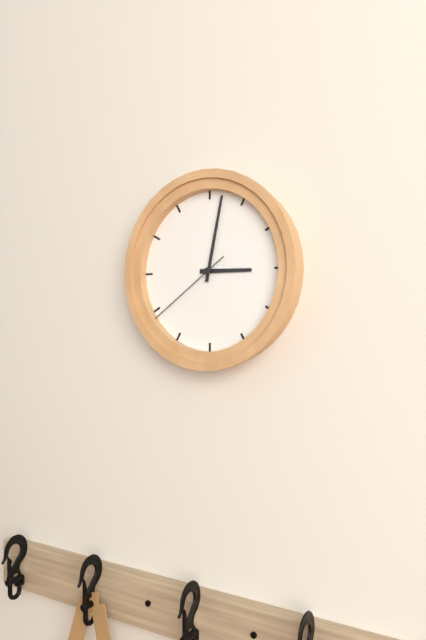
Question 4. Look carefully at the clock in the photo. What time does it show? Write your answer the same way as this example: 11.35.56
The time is 3.02.39
